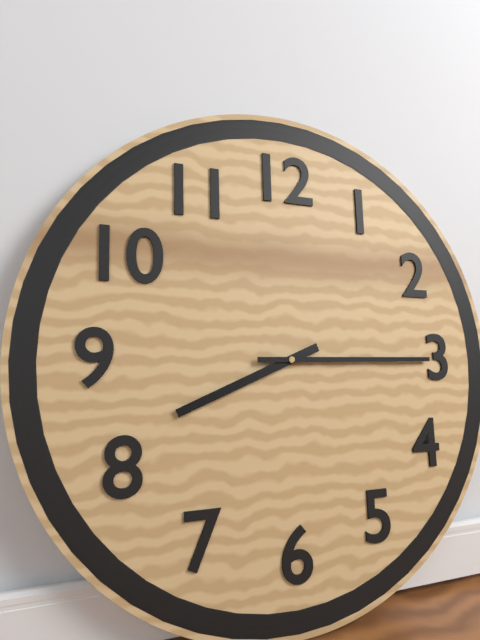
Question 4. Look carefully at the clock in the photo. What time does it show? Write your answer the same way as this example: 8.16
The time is 8.15
